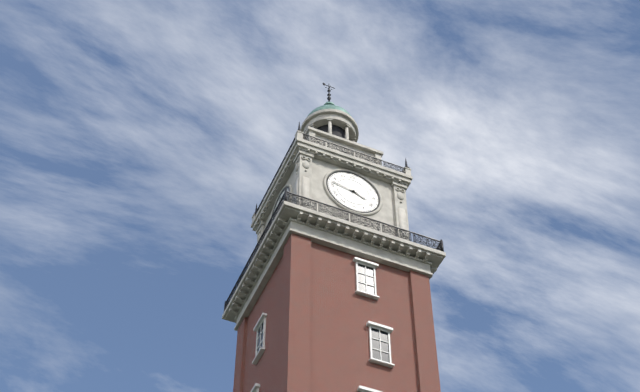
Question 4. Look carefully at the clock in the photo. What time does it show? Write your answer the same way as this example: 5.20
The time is 3.47
